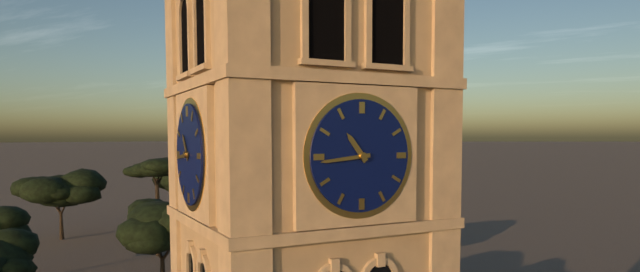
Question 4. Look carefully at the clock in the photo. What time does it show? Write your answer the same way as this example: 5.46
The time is 10.44
